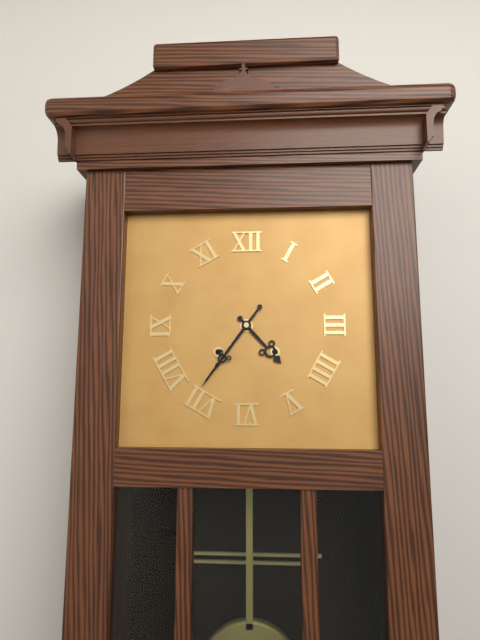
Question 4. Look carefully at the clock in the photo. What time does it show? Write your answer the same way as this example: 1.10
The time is 4.36
